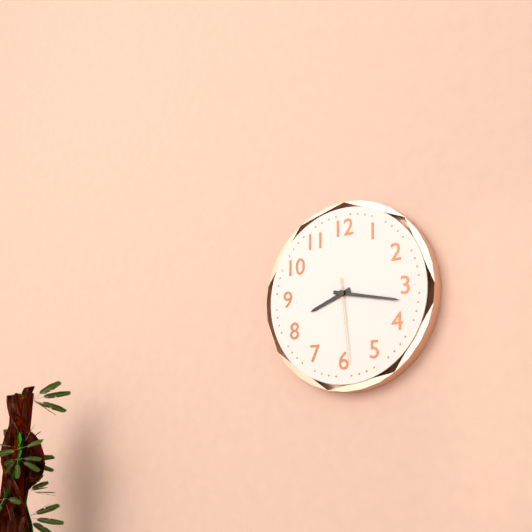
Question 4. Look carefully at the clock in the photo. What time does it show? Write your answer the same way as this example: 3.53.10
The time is 8.17.29
